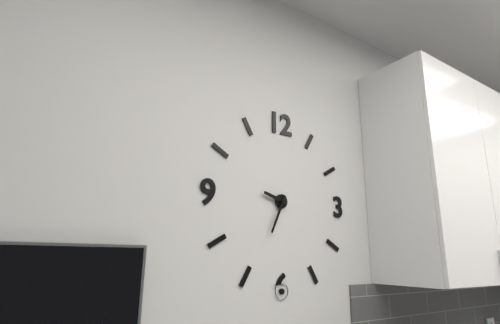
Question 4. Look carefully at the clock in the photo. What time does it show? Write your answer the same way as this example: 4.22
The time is 9.34
